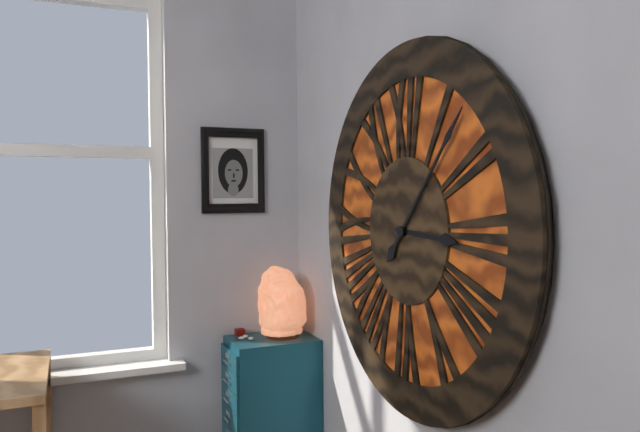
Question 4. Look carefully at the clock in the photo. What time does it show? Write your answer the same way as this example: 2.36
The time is 3.07
